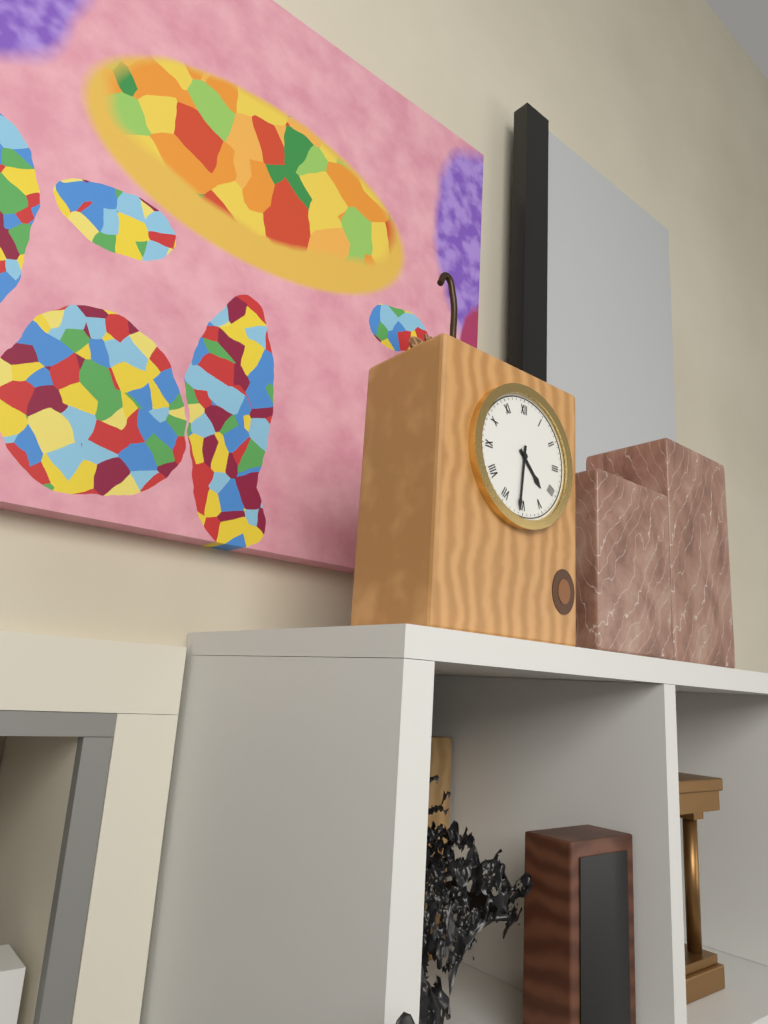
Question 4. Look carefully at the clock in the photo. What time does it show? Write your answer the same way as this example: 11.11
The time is 4.31
